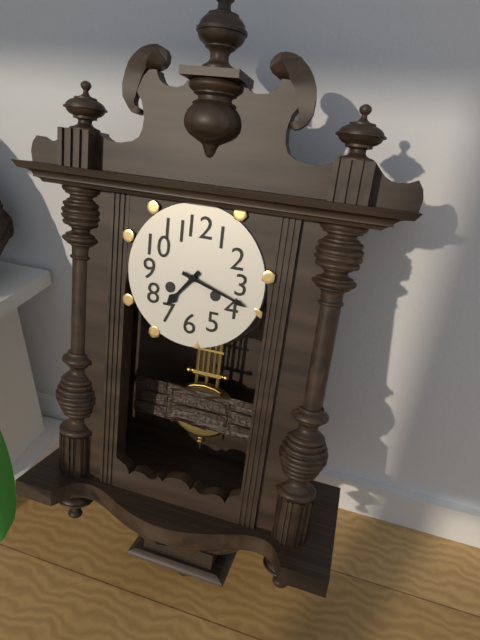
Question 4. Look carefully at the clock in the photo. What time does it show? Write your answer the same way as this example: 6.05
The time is 7.18
